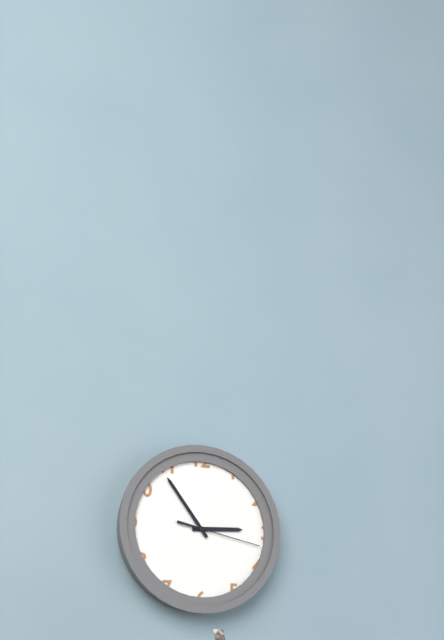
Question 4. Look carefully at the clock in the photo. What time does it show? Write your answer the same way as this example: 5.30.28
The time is 2.54.17
